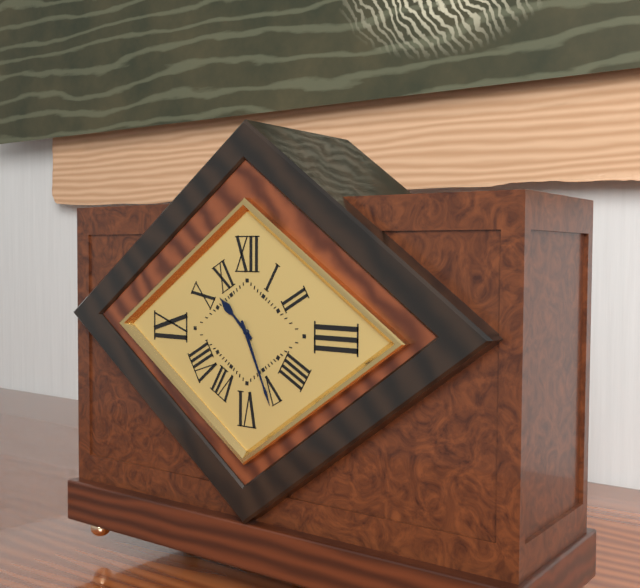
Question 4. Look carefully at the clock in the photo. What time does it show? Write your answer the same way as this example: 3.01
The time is 10.26
